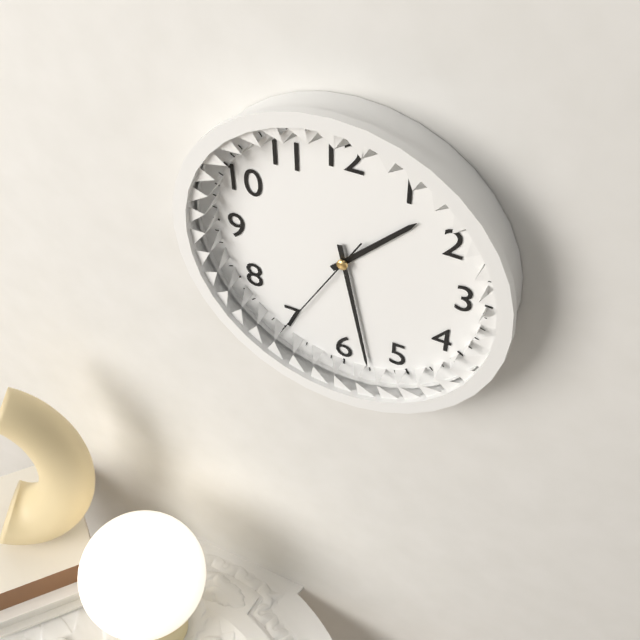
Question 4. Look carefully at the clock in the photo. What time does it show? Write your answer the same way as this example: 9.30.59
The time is 1.28.35
